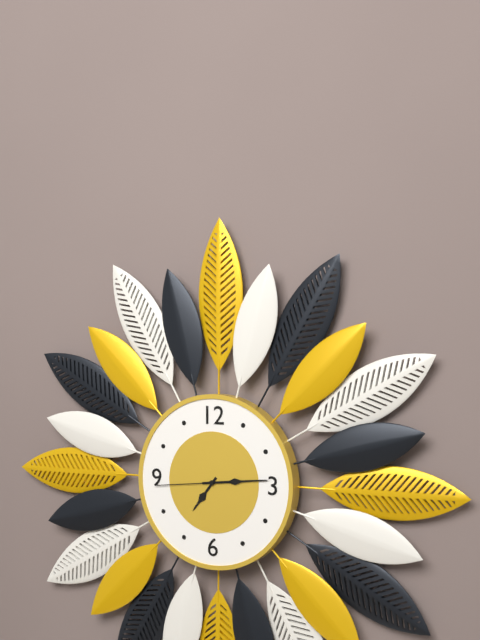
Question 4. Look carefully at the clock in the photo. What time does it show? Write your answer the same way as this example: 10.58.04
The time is 7.14.44
